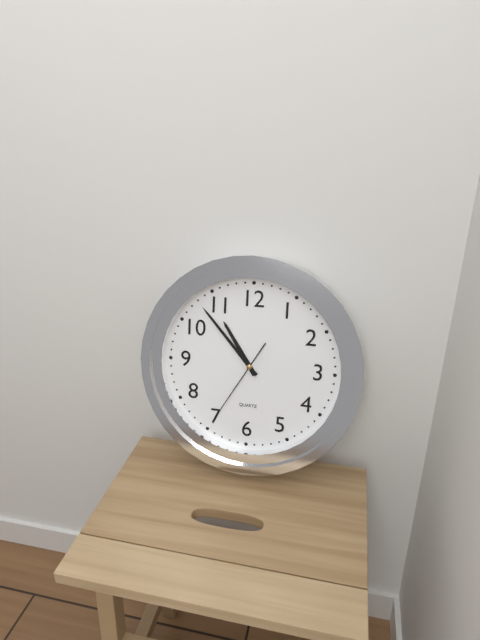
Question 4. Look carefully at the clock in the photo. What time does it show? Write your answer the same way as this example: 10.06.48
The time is 10.53.35
